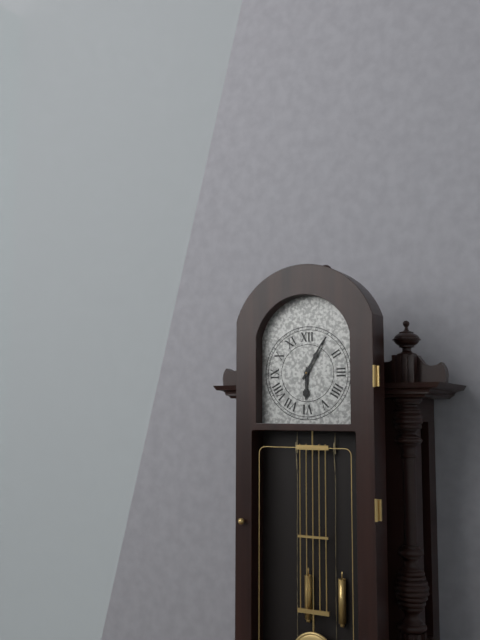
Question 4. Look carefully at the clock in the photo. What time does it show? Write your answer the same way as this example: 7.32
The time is 6.05
